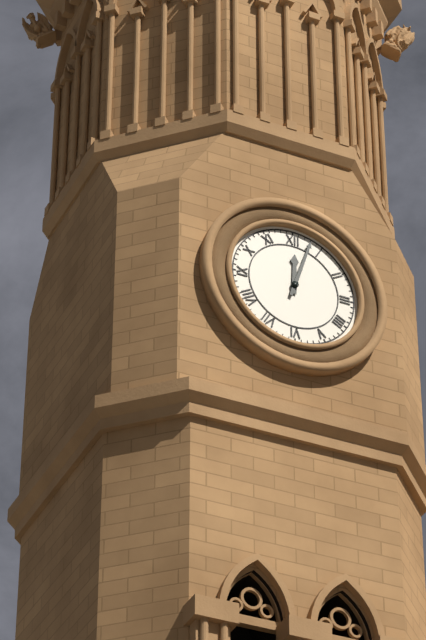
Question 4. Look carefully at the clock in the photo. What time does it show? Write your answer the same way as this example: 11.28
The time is 12.03
